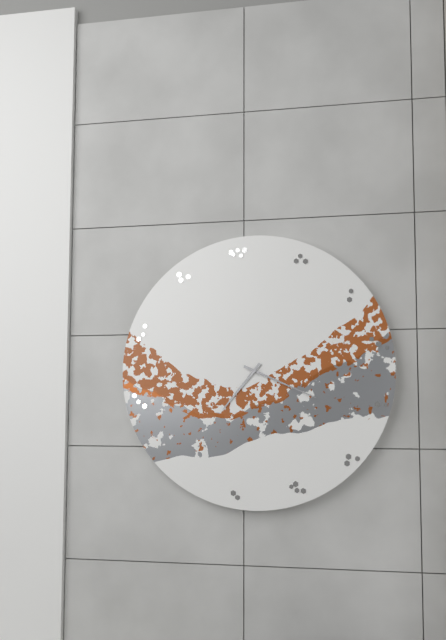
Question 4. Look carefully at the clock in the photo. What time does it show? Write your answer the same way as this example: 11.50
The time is 7.19
